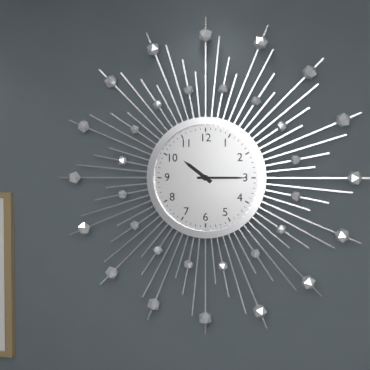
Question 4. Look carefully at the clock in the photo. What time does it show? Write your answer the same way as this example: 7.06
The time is 10.15
